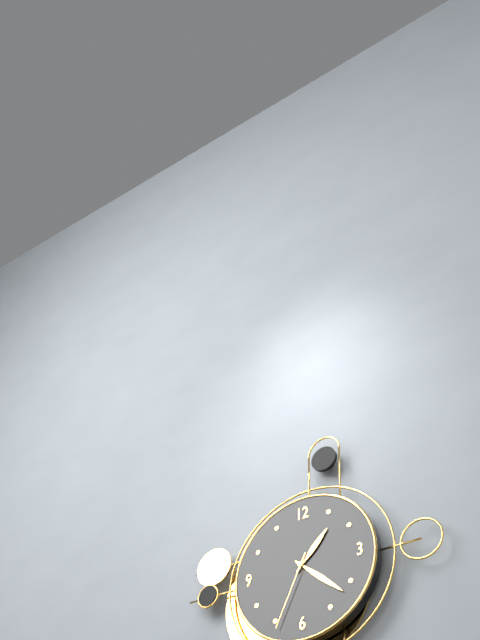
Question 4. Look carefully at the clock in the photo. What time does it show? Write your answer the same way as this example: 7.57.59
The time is 1.22.34
